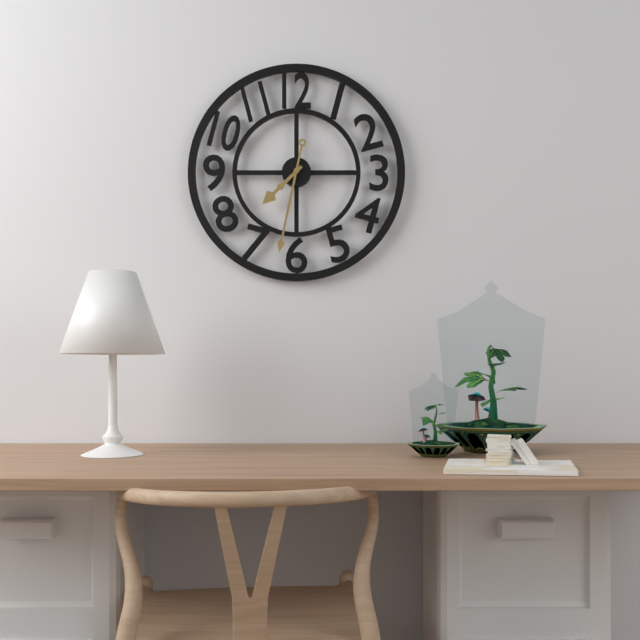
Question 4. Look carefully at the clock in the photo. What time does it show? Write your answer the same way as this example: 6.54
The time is 7.32
